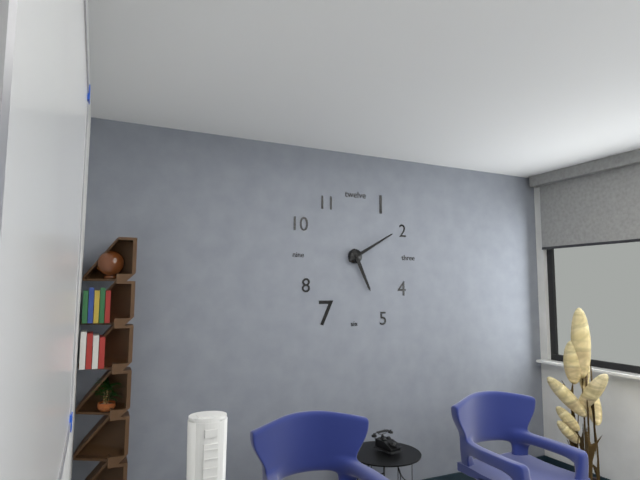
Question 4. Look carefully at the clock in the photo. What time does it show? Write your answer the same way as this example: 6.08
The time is 5.10
